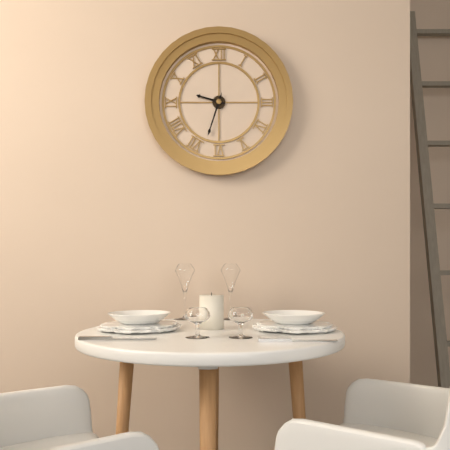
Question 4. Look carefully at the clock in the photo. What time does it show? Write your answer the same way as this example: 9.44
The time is 9.33
